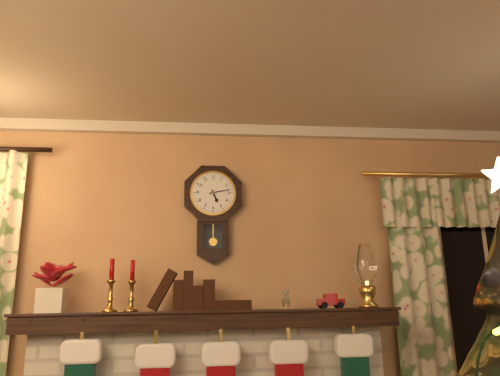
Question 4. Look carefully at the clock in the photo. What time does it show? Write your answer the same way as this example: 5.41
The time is 5.13
